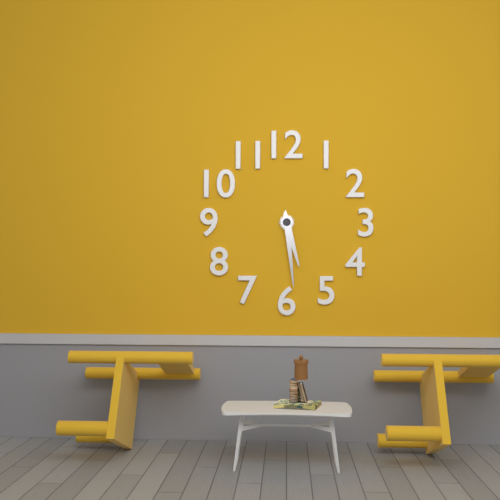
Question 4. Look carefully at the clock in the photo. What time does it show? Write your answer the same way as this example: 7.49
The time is 5.29
